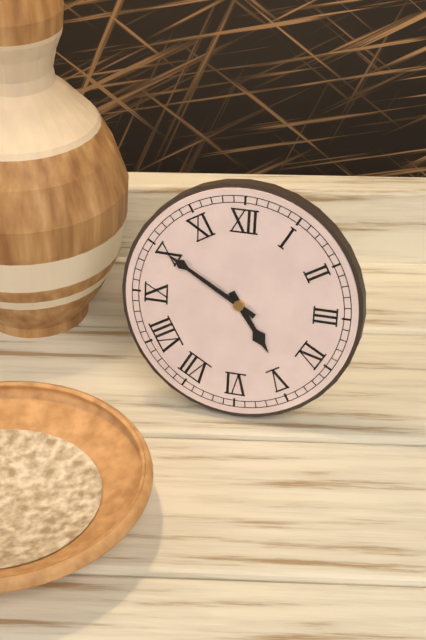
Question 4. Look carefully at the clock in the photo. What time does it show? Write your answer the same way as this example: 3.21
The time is 4.50
